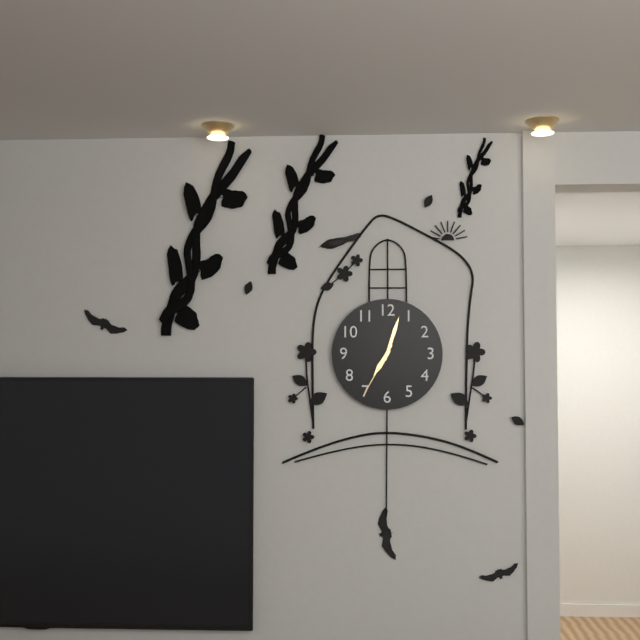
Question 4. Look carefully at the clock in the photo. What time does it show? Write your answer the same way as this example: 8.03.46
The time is 7.03.35
